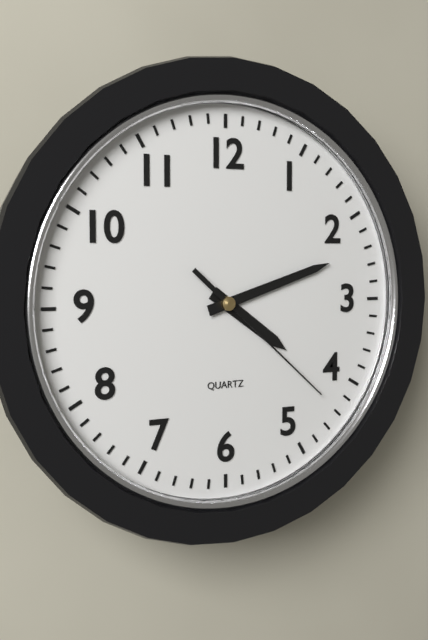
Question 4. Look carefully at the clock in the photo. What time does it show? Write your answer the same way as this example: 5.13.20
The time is 4.12.22
